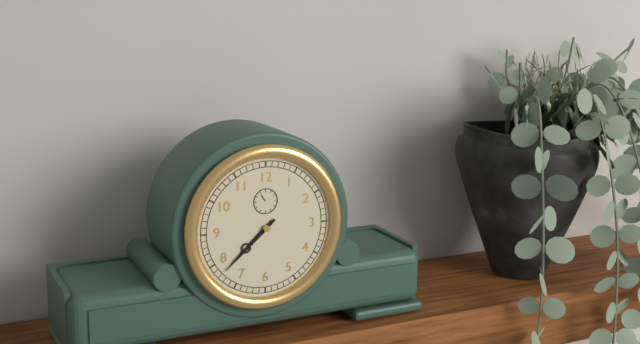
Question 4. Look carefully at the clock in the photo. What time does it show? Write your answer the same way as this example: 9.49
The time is 7.38
